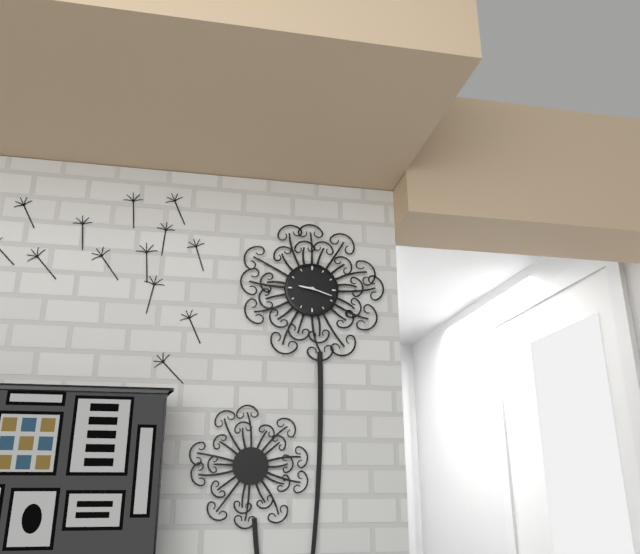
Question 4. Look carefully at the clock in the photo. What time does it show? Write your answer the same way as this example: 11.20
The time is 9.18
